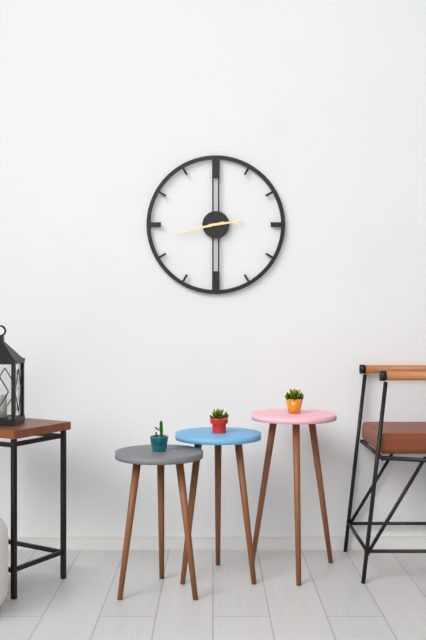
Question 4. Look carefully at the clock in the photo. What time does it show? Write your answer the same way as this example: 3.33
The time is 2.43
